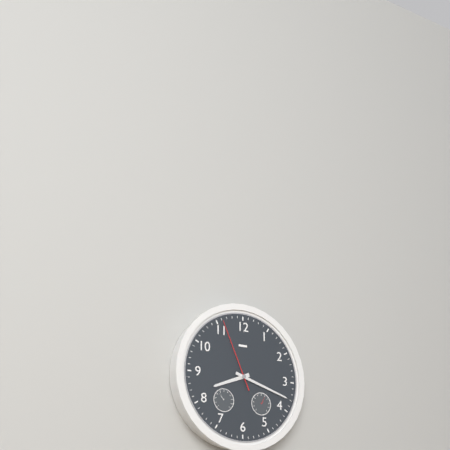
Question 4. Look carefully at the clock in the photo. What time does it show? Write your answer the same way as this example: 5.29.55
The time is 8.18.56
